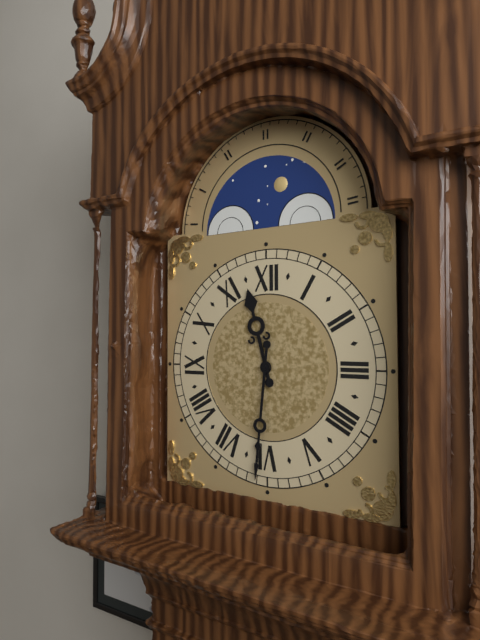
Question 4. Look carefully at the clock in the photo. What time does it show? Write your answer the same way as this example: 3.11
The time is 11.31
